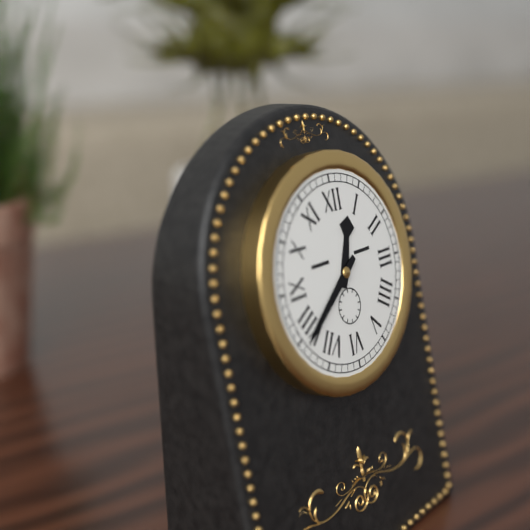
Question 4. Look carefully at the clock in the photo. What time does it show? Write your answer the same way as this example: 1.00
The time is 12.39
